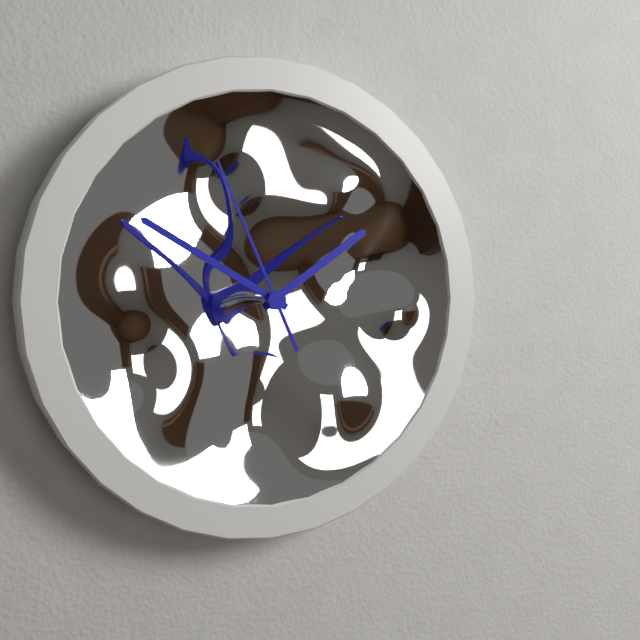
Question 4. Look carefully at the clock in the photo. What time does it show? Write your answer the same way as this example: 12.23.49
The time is 1.50.56
